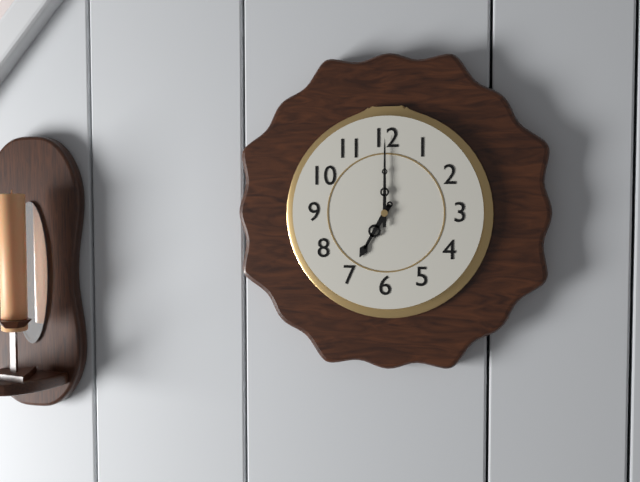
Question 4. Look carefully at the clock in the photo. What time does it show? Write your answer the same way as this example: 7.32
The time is 7.00
